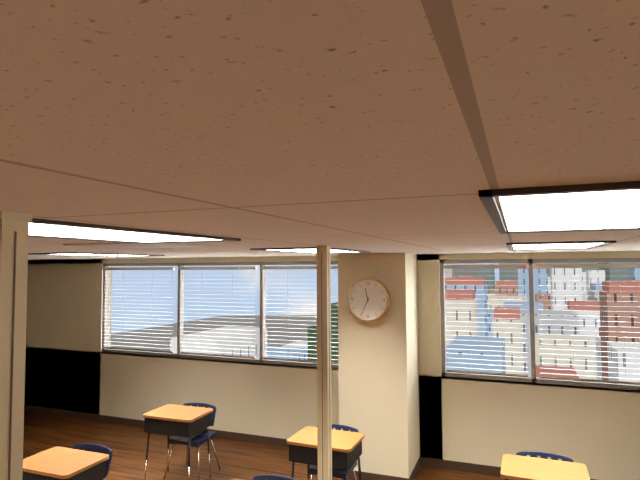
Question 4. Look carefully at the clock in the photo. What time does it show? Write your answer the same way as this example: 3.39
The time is 11.34
